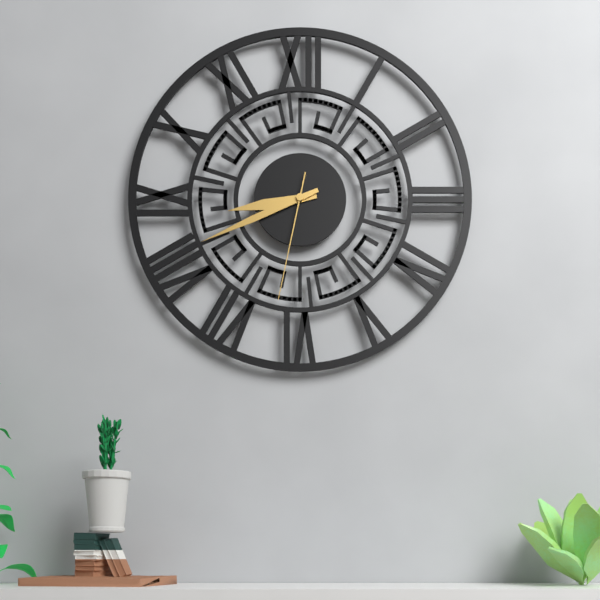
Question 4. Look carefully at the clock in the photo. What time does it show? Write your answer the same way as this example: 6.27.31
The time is 8.41.32
